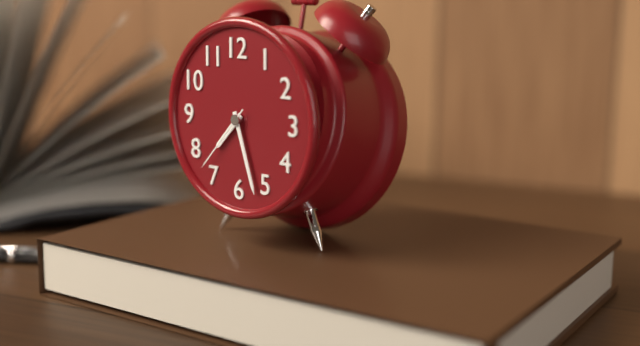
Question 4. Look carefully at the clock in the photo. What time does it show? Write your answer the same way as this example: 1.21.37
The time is 7.27.37
